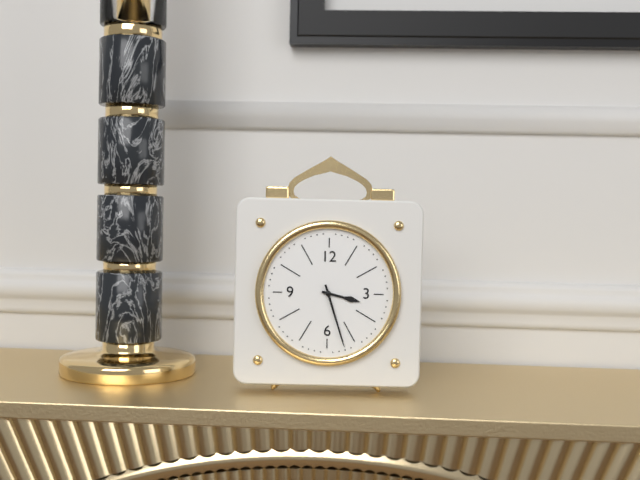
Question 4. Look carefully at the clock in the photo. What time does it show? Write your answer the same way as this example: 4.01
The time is 3.27
